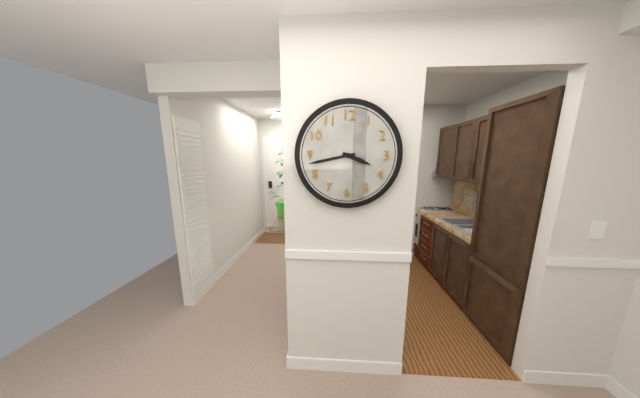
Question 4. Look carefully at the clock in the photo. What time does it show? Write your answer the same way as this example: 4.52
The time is 3.43
